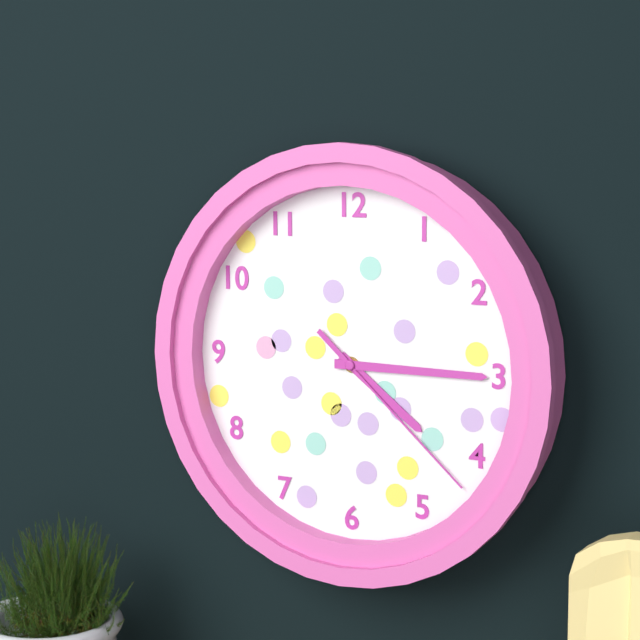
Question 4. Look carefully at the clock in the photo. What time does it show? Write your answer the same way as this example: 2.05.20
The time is 4.15.22
